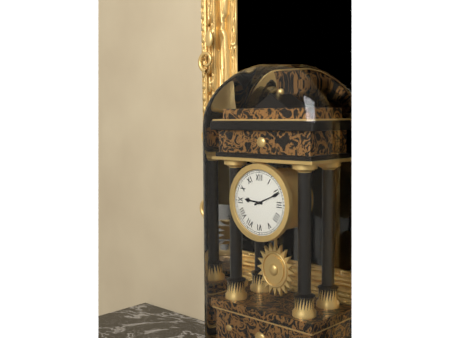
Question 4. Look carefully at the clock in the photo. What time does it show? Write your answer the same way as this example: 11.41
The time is 9.11
